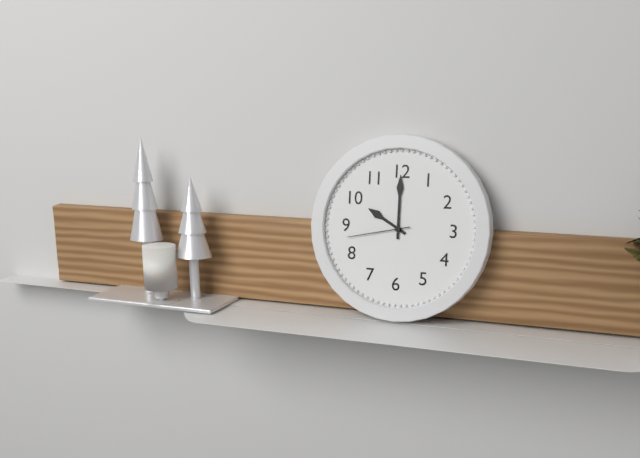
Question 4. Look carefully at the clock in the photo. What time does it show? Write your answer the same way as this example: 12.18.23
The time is 10.00.43
